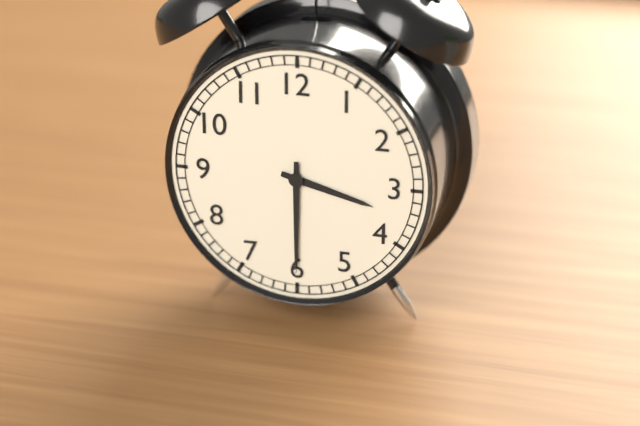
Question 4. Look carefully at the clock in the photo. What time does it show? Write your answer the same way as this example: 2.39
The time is 3.30
